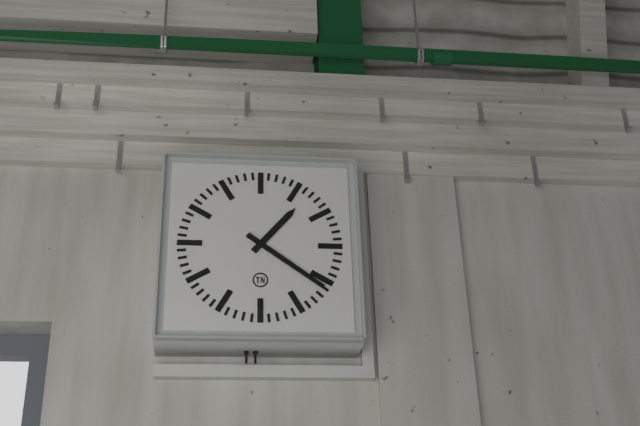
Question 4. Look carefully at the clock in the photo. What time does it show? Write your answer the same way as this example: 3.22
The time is 1.21
